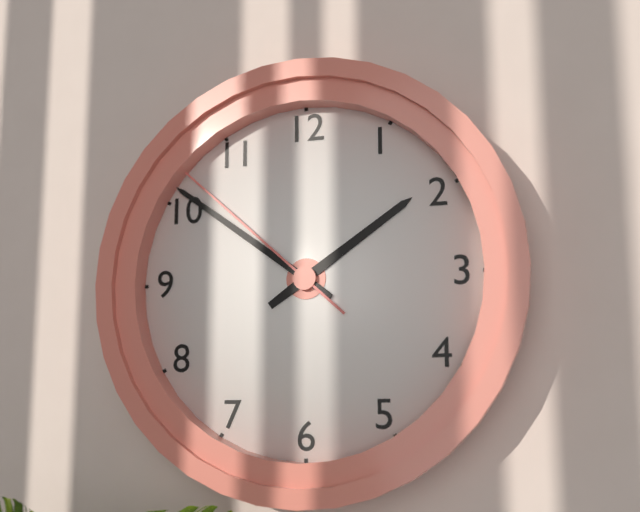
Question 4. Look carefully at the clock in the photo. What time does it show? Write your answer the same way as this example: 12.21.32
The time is 1.51.52
